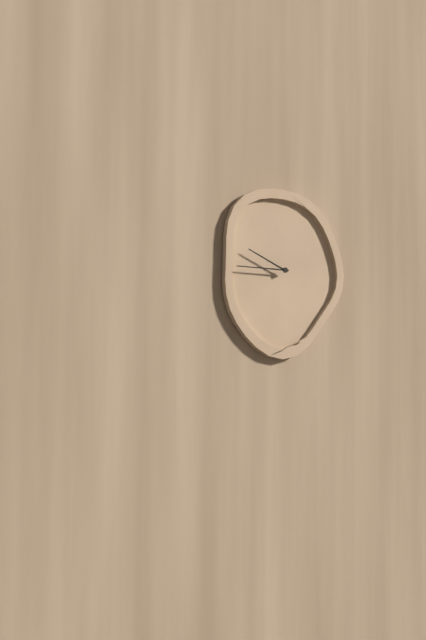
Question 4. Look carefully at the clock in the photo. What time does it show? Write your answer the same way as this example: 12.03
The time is 9.45
